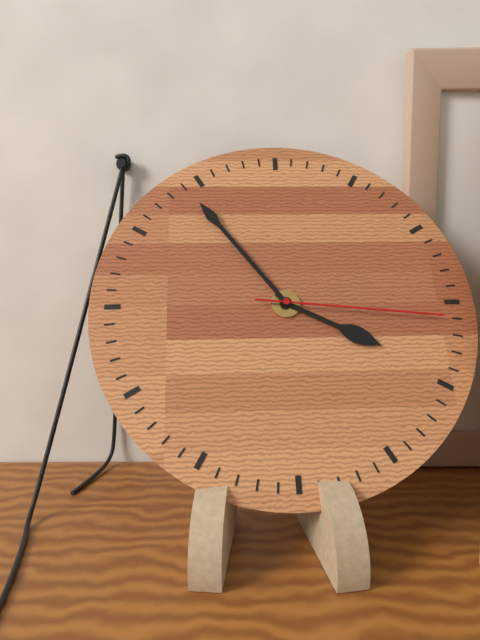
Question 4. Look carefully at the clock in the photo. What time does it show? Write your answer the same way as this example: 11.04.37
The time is 3.54.16
